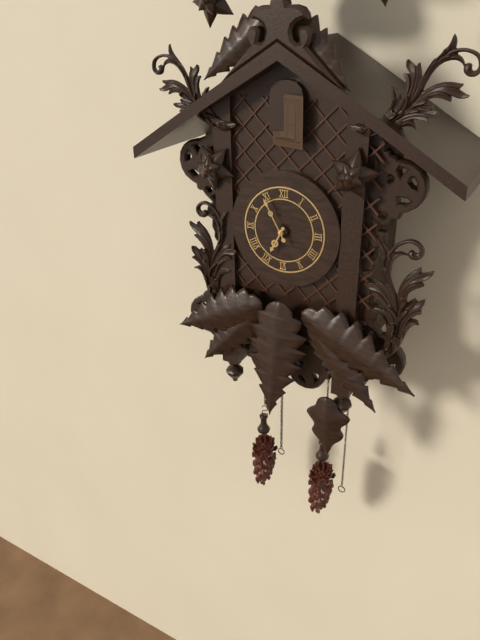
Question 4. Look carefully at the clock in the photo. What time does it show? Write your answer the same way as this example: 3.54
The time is 6.55
